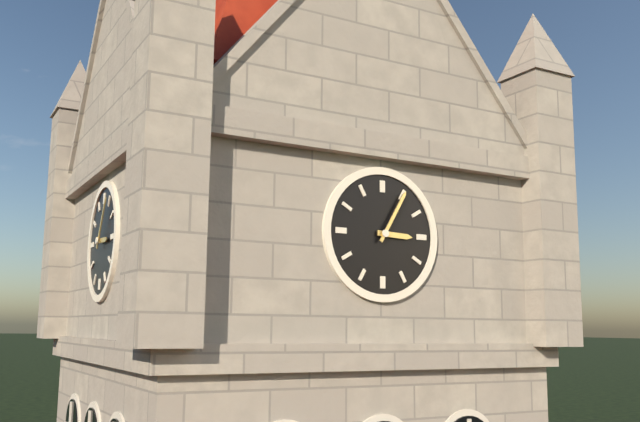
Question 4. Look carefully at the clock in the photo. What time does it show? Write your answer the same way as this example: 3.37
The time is 3.05
